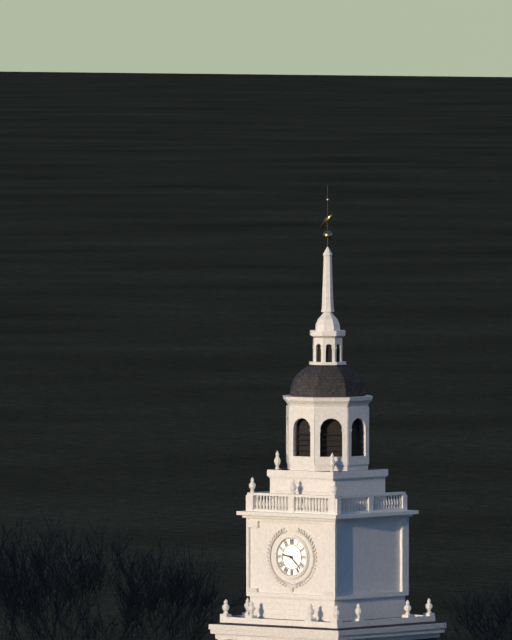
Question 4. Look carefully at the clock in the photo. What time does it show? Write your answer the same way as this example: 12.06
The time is 9.22
